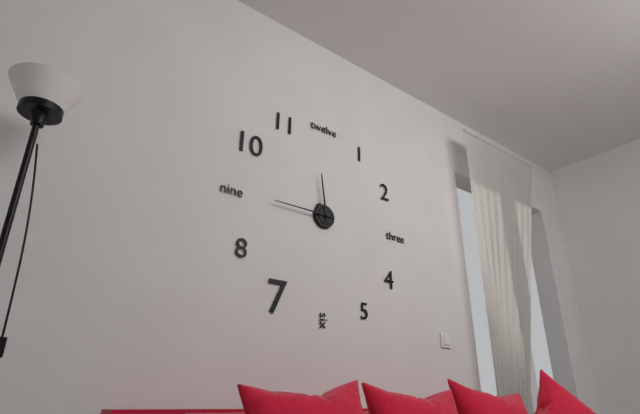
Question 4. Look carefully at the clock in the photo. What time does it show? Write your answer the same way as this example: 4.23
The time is 11.45
